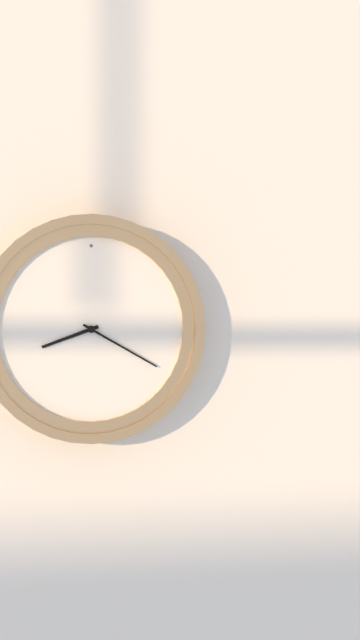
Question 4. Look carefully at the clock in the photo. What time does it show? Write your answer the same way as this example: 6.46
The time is 8.20
